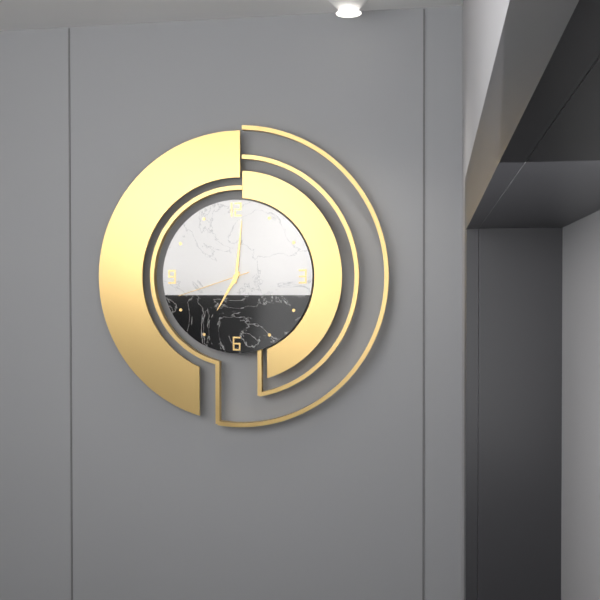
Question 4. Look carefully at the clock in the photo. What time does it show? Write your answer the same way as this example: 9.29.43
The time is 7.01.42
